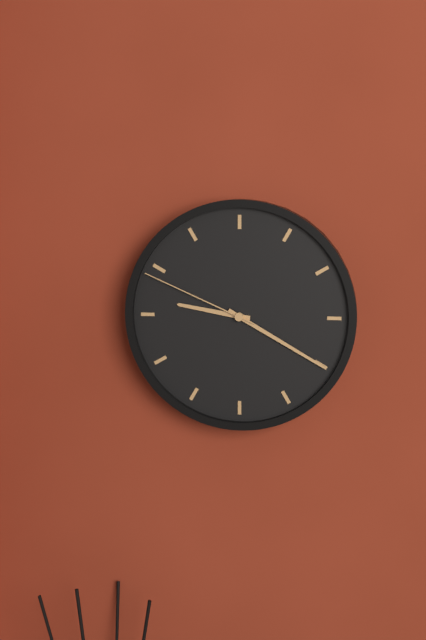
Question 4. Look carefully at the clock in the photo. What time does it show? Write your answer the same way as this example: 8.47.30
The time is 9.20.49
